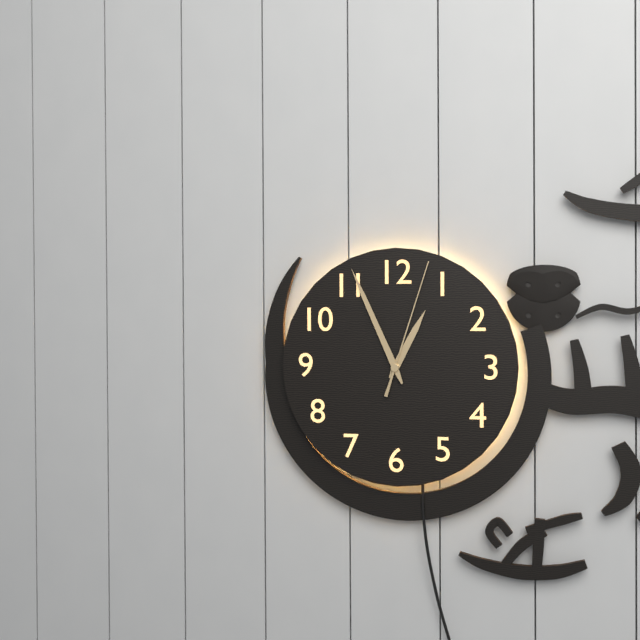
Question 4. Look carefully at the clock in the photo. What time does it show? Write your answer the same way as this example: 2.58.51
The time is 12.56.03
